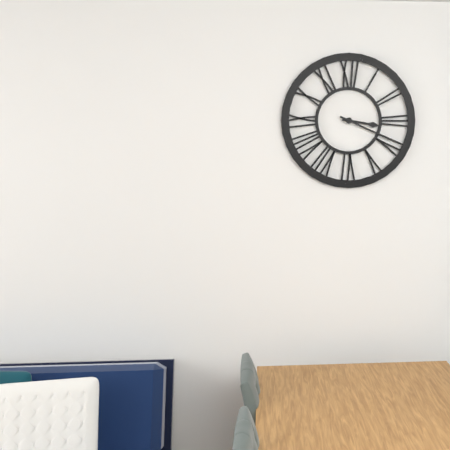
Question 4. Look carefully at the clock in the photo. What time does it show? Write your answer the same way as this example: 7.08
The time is 3.19
